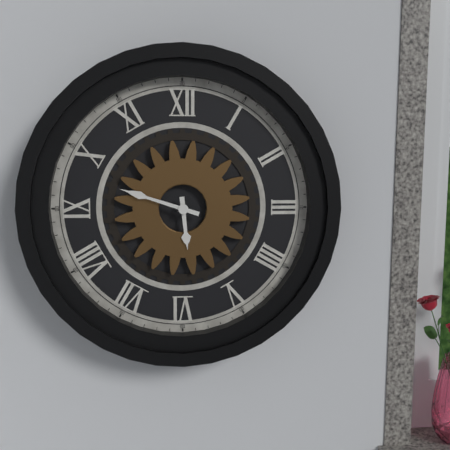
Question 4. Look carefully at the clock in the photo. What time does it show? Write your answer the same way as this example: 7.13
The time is 5.48
